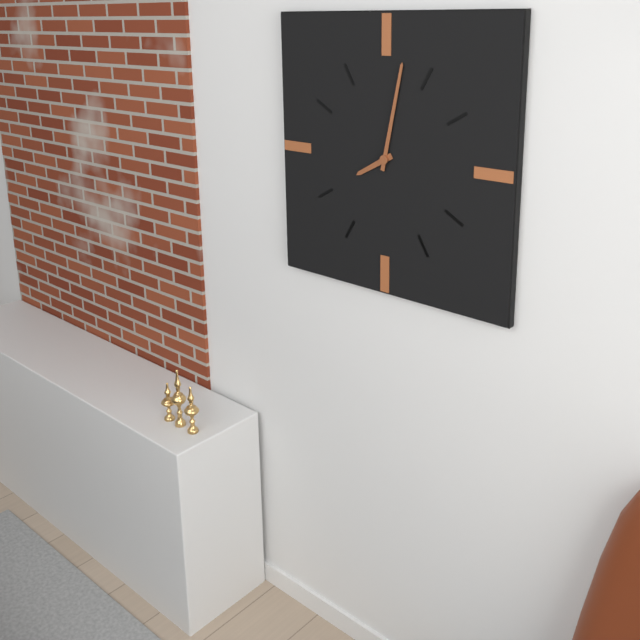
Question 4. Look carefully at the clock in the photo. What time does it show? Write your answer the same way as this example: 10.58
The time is 8.02
